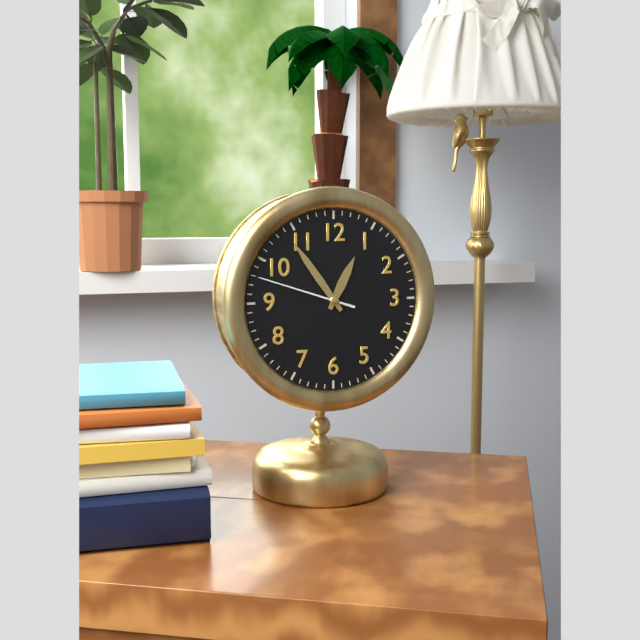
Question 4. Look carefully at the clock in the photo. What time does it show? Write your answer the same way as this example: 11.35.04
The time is 12.54.48
